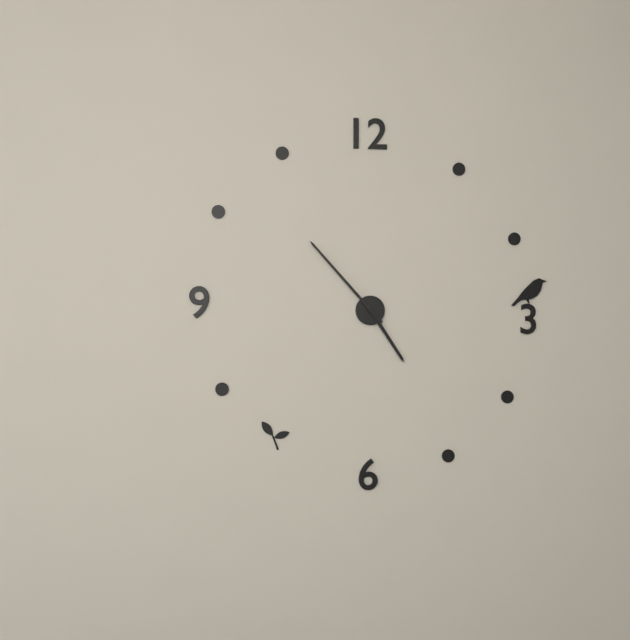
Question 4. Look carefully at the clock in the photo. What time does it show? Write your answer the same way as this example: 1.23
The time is 4.53
